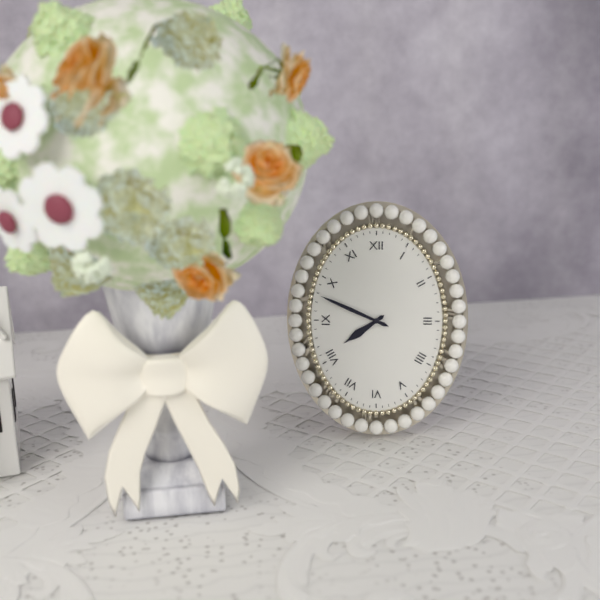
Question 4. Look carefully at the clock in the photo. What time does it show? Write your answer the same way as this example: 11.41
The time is 7.49
